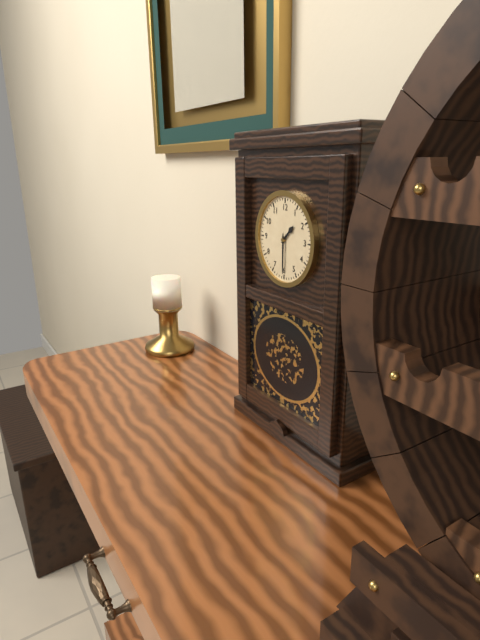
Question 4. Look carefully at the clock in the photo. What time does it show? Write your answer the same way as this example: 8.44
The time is 1.30
